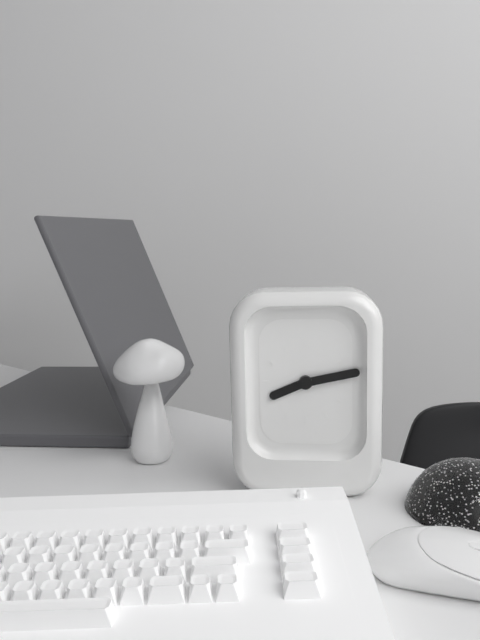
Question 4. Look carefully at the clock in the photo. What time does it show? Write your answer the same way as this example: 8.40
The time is 8.13
